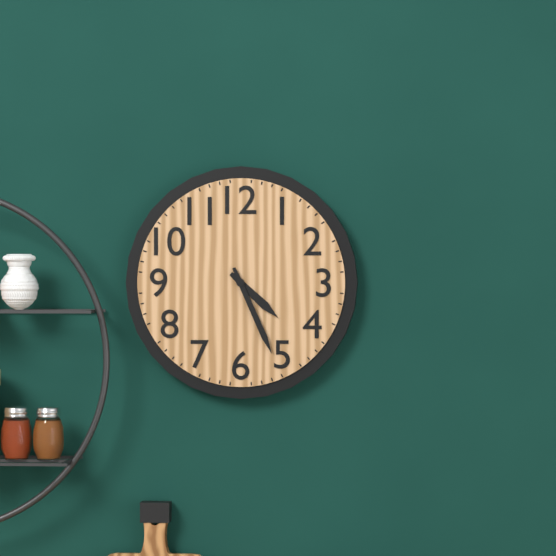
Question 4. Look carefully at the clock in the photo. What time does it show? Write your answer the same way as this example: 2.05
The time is 4.26
